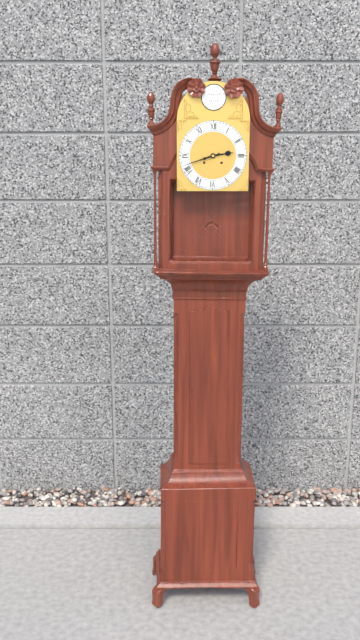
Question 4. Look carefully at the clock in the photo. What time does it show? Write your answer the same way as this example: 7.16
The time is 2.42
